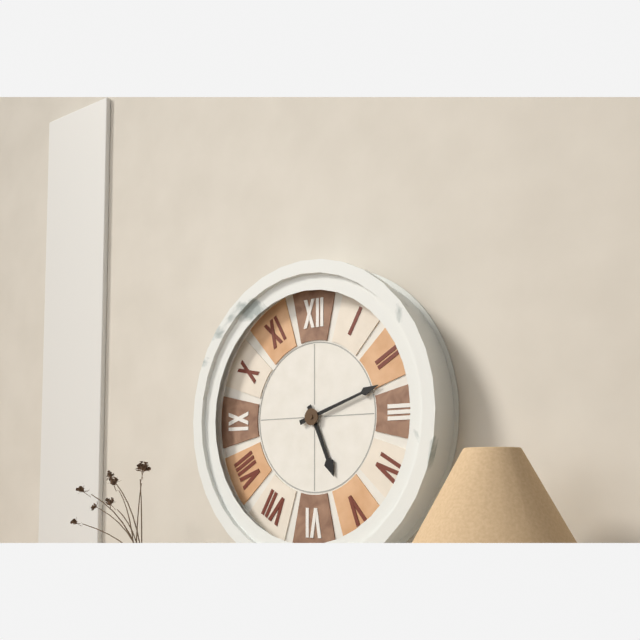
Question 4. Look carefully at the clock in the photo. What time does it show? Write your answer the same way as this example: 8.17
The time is 5.12
